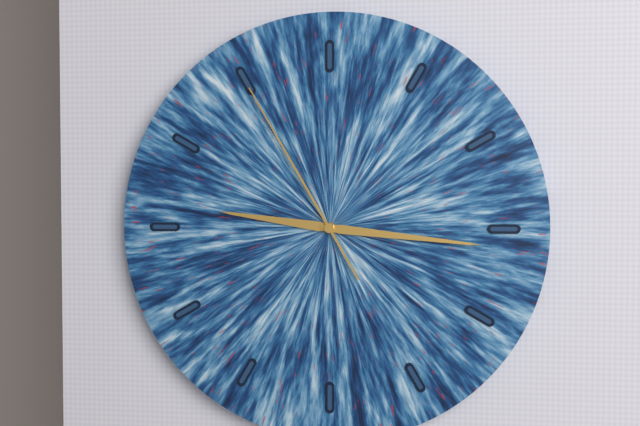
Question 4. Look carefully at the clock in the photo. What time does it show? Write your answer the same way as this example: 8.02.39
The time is 9.16.55
